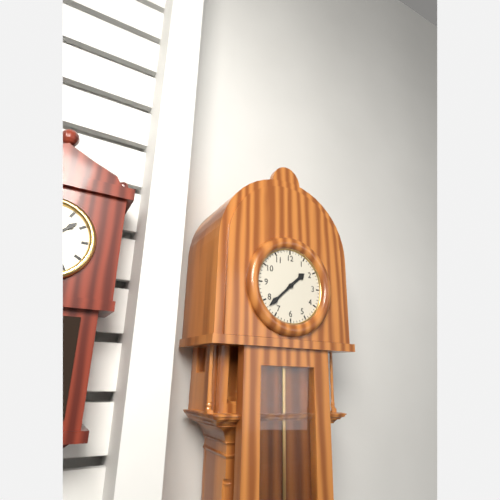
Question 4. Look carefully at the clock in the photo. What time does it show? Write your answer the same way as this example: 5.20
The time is 1.38
